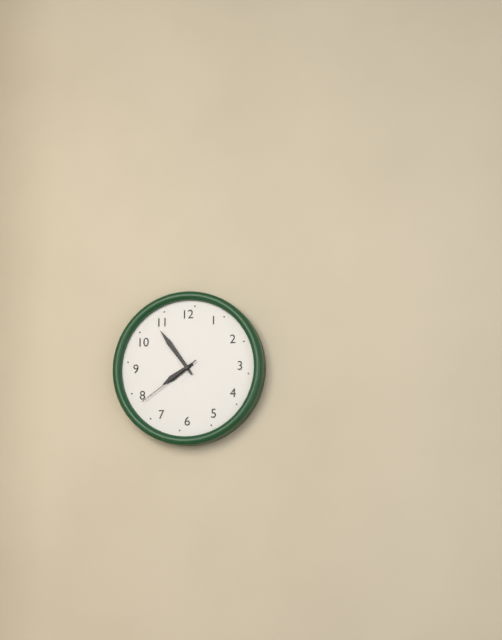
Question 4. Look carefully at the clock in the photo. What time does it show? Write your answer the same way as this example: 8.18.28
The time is 7.54.39
